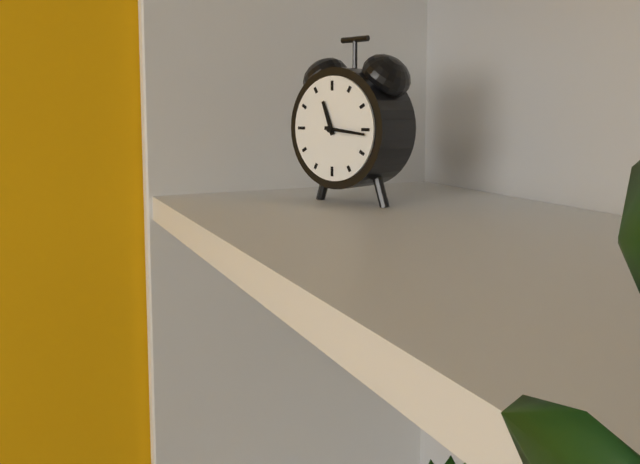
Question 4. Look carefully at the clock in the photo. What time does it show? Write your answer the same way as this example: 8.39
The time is 11.16
